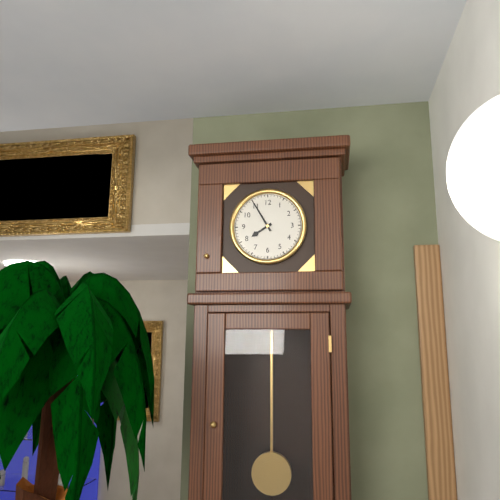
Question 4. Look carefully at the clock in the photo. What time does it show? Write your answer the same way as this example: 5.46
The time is 7.55
